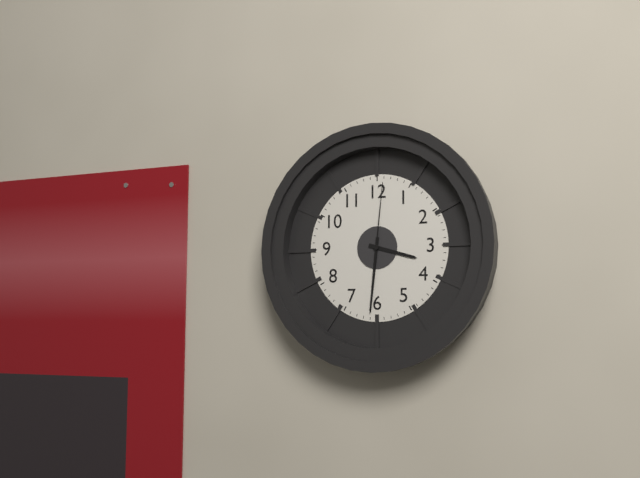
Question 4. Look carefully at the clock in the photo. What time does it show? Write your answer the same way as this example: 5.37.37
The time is 3.31.01
